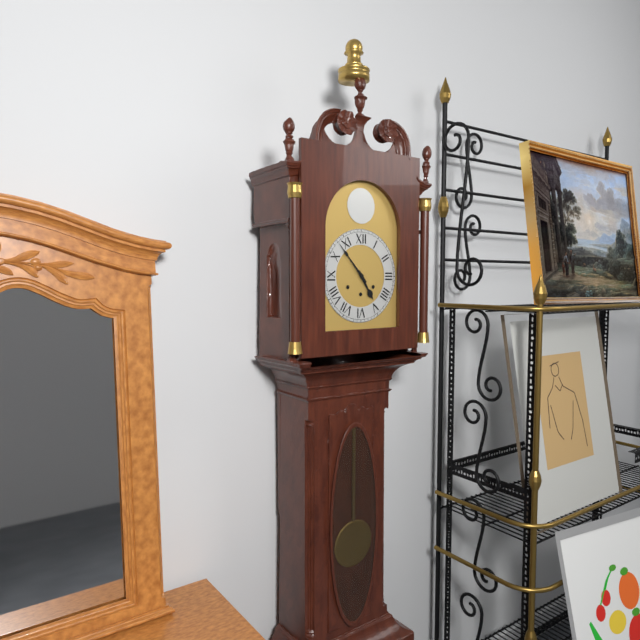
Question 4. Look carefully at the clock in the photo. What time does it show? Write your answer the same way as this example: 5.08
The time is 4.53
